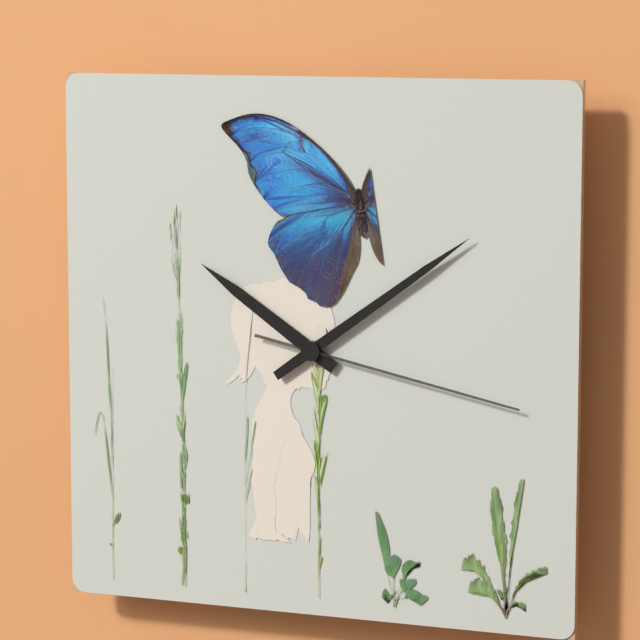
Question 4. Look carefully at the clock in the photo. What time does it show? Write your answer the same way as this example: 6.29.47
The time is 10.09.17
